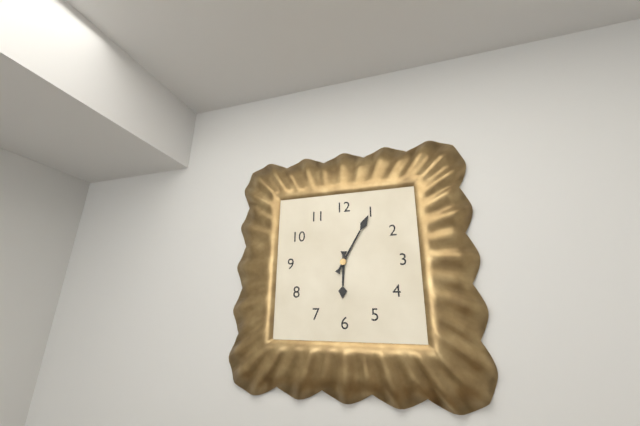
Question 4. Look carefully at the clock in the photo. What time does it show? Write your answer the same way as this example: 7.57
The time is 6.05
